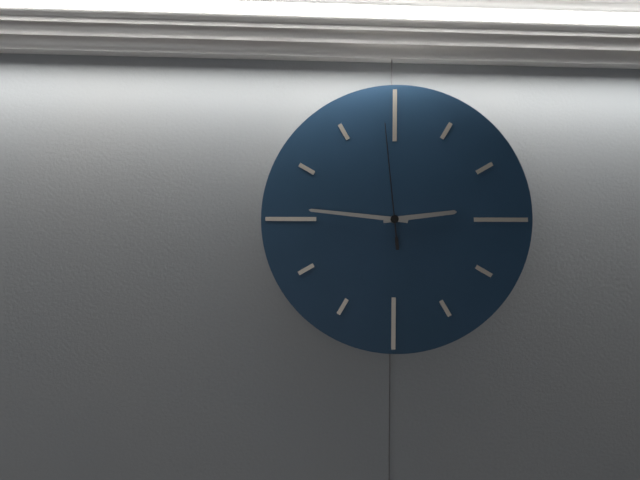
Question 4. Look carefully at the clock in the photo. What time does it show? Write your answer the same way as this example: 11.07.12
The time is 2.46.59
